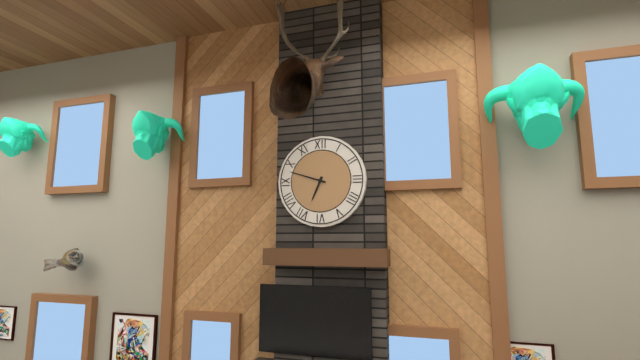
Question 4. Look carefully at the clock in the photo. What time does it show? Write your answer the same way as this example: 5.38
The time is 6.48
